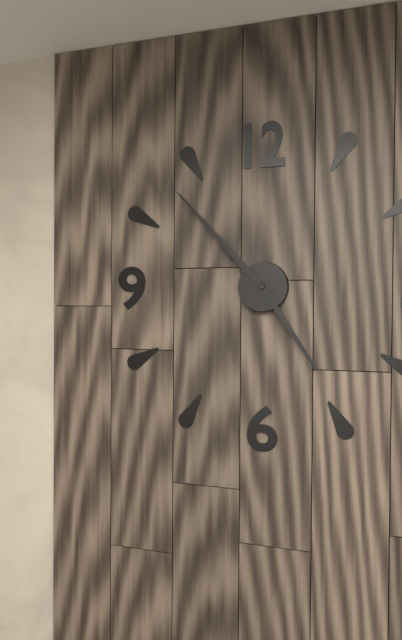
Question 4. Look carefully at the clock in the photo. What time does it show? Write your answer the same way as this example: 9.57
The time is 4.53
